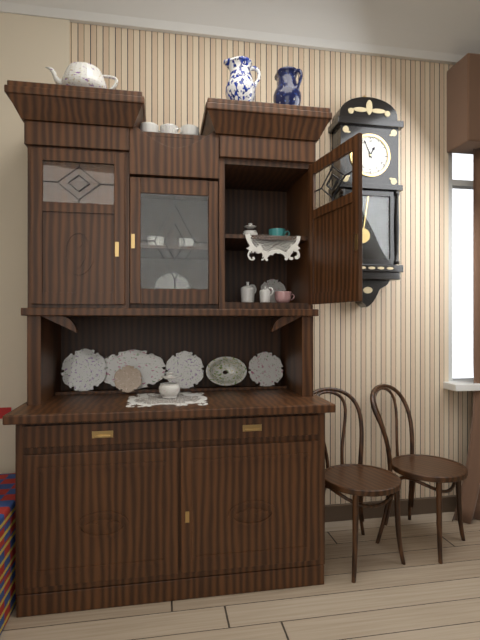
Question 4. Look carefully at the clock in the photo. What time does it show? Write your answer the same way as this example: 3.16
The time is 12.56
